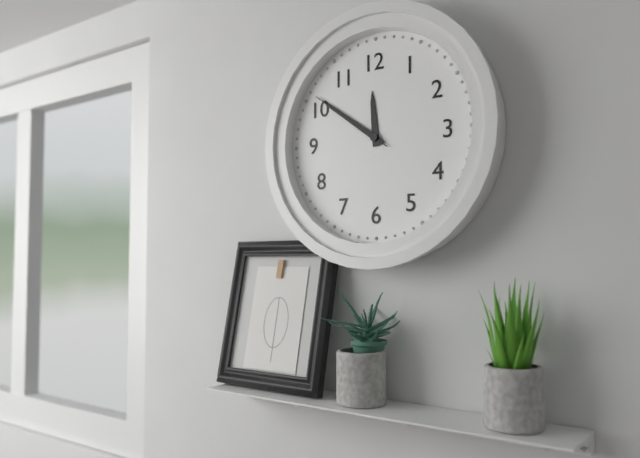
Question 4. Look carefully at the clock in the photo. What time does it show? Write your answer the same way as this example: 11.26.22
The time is 11.51.51
